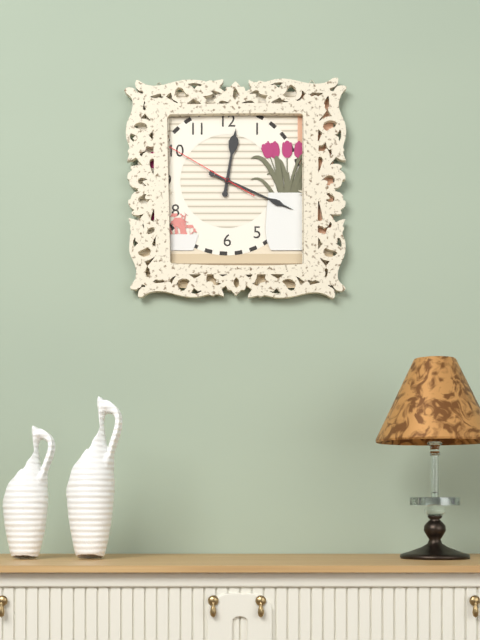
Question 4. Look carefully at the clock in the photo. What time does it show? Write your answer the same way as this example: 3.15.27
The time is 12.19.50
